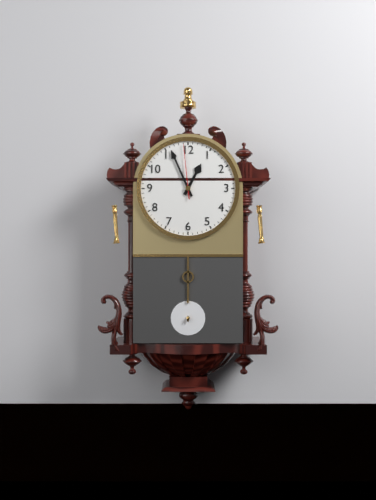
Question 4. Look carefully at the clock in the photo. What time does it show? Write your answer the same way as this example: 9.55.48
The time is 12.56.59
